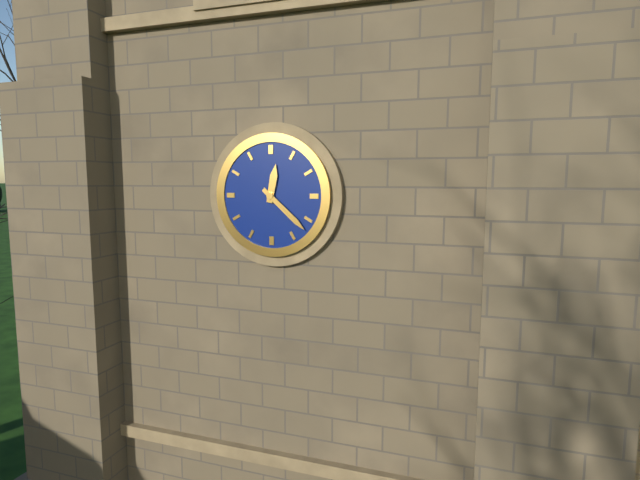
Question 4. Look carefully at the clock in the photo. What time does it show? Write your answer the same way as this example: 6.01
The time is 12.22
